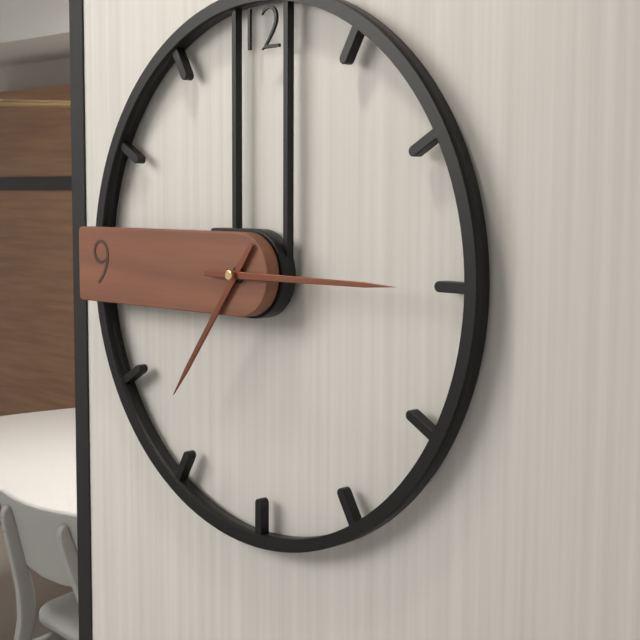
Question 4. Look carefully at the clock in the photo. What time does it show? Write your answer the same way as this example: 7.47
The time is 7.15
